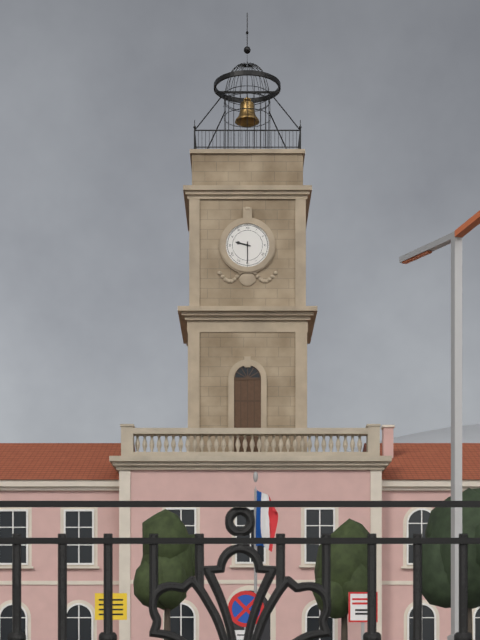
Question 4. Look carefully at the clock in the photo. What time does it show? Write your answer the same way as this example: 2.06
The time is 9.30
